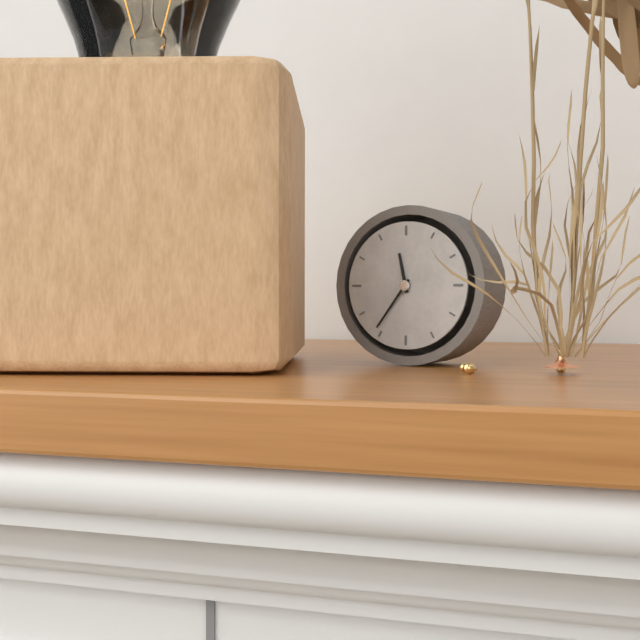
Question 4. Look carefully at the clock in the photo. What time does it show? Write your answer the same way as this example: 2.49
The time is 11.36
